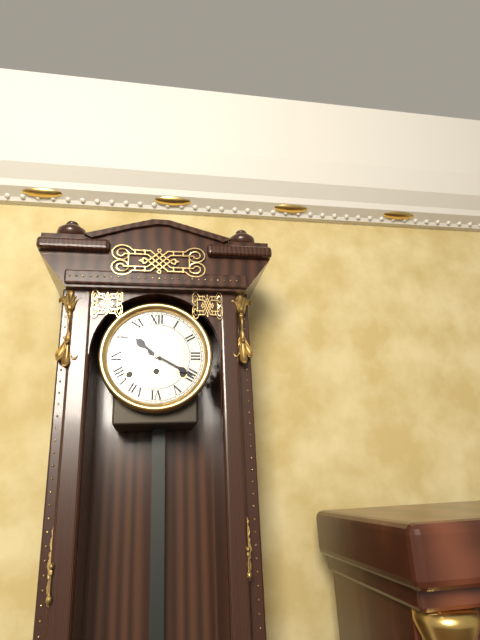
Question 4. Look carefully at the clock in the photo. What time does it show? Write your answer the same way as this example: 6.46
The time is 10.20
